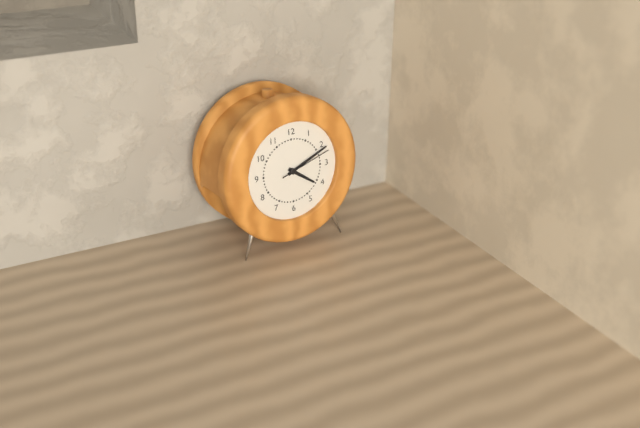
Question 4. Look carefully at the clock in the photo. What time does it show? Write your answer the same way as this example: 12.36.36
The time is 4.11.12
